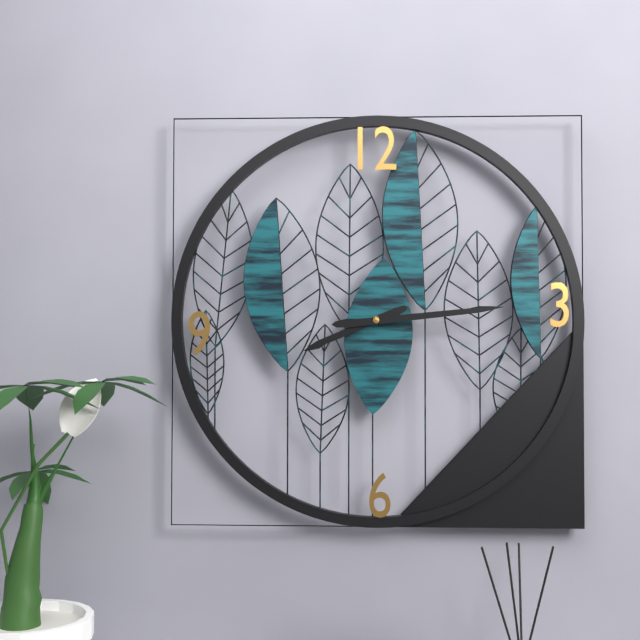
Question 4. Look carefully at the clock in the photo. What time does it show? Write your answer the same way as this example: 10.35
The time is 8.14
